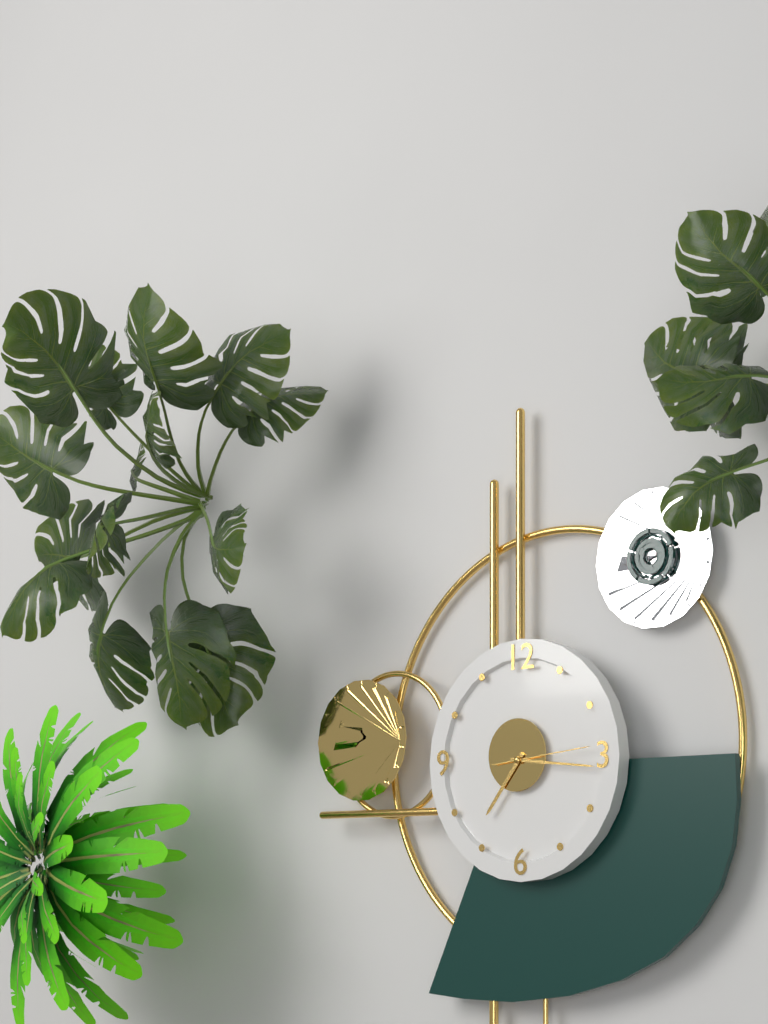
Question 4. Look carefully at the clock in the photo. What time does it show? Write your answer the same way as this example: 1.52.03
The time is 7.16.14
